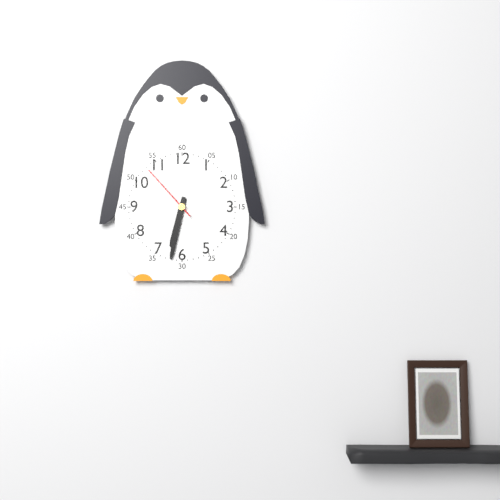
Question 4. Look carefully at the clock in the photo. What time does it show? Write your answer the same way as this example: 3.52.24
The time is 6.32.53
